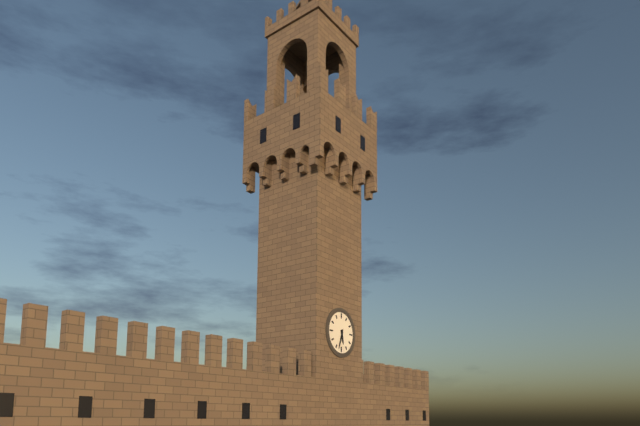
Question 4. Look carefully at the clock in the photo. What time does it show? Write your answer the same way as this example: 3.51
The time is 5.33
